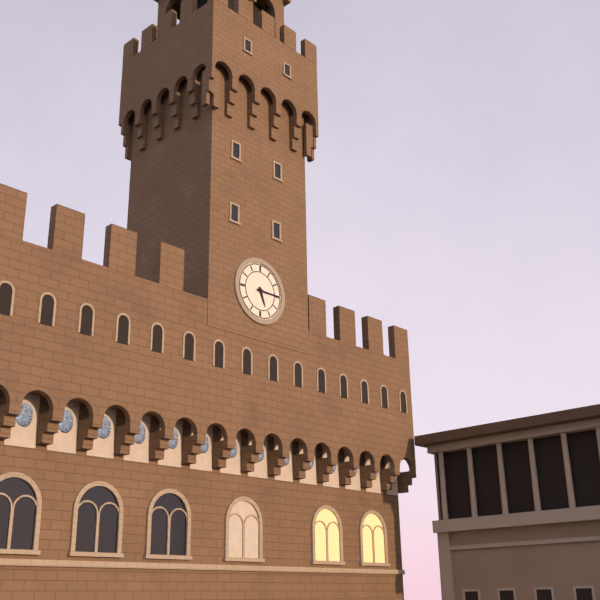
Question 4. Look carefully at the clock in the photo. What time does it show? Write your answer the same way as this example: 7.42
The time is 5.15
